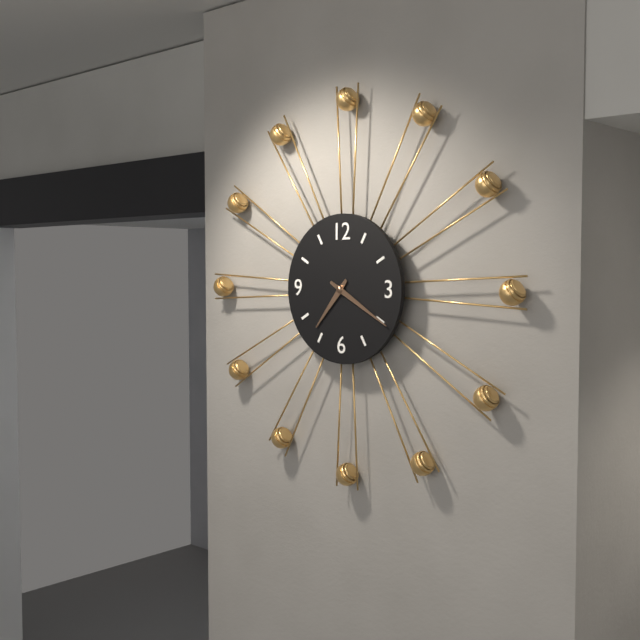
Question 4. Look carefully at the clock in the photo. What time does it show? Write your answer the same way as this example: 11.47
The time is 7.20
